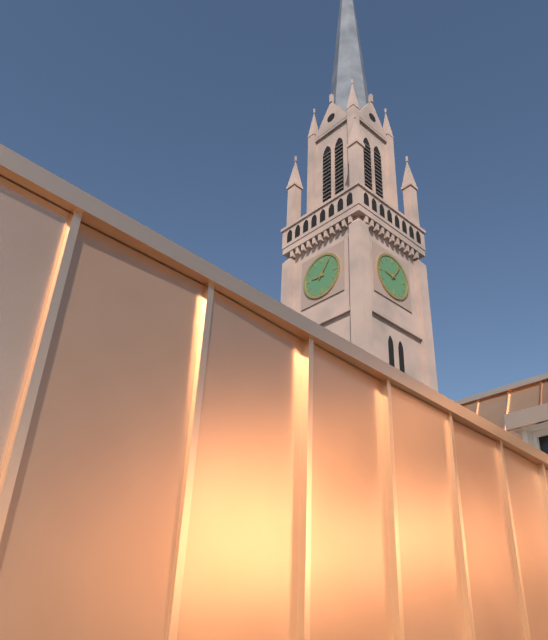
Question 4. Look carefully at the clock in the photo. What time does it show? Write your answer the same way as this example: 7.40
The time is 9.06
